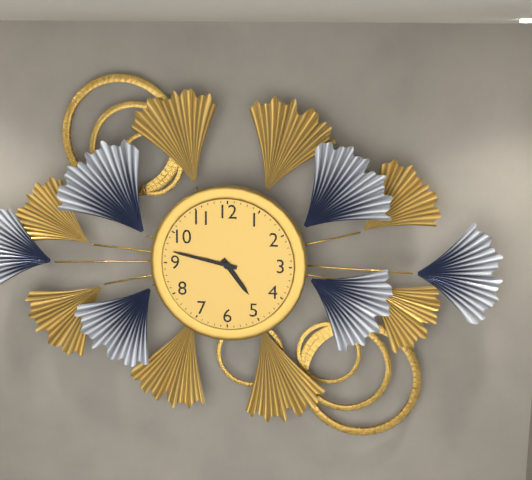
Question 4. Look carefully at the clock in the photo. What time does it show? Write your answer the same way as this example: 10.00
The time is 4.47
